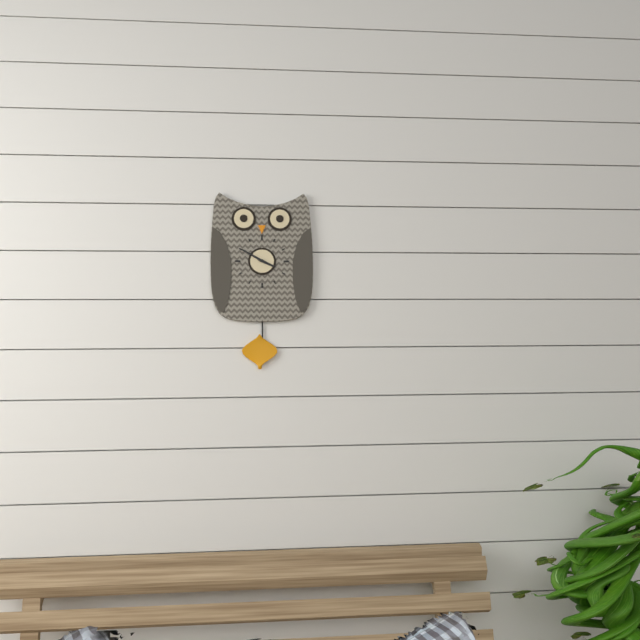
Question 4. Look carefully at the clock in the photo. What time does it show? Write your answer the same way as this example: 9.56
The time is 3.50
